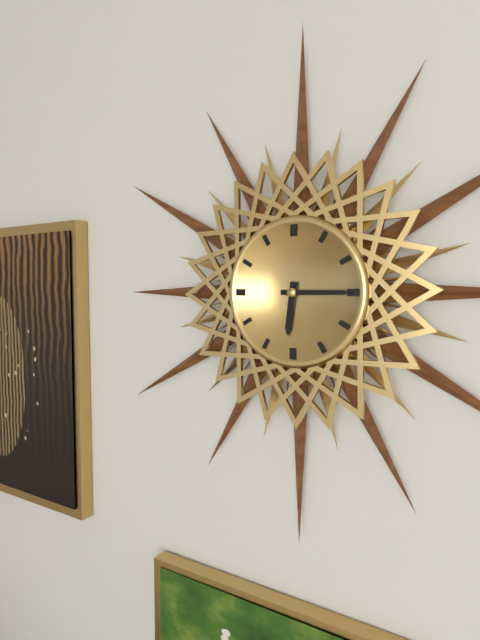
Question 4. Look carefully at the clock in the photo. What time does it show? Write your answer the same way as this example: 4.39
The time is 6.15
